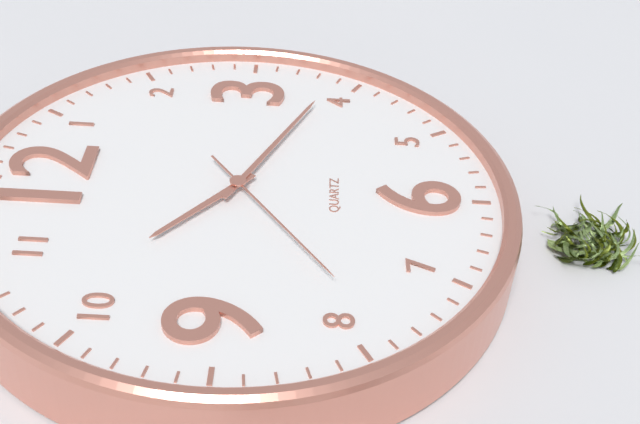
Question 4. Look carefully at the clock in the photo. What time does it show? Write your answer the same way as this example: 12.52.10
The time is 10.19.39
